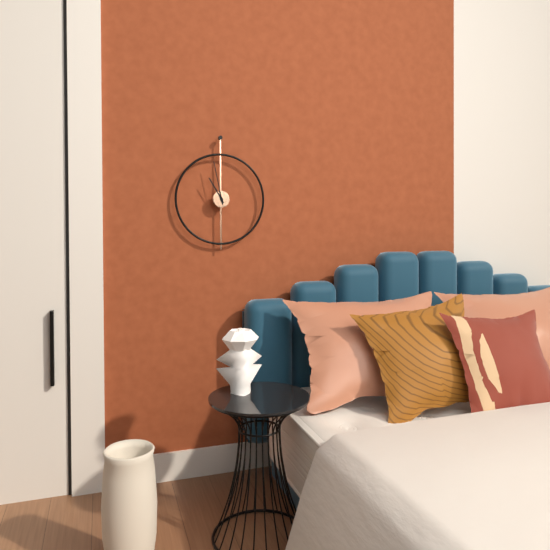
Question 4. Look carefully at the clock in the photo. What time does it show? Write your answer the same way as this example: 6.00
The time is 10.58
